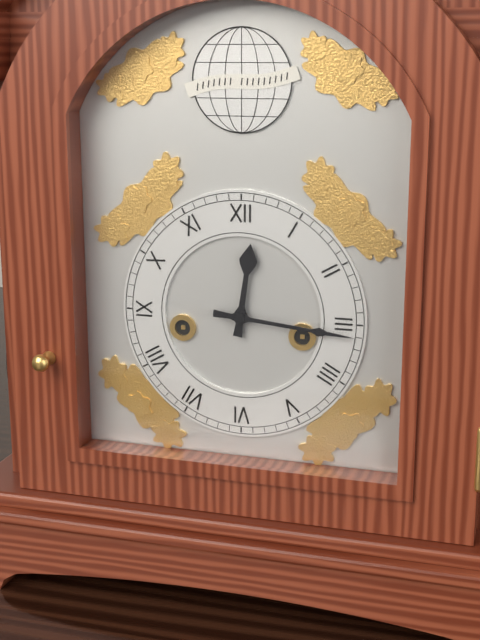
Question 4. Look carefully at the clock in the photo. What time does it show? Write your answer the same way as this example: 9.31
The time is 12.16
